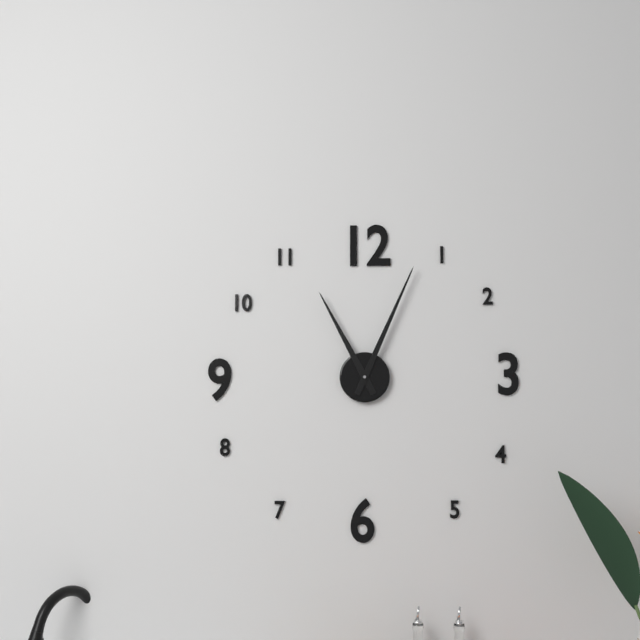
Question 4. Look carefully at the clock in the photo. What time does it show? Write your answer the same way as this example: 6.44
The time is 11.04
